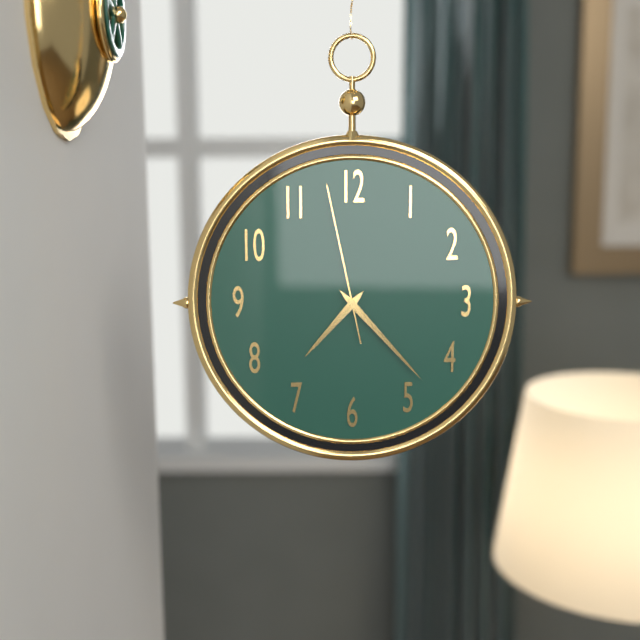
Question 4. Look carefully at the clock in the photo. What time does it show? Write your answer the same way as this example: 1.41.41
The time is 7.23.58
